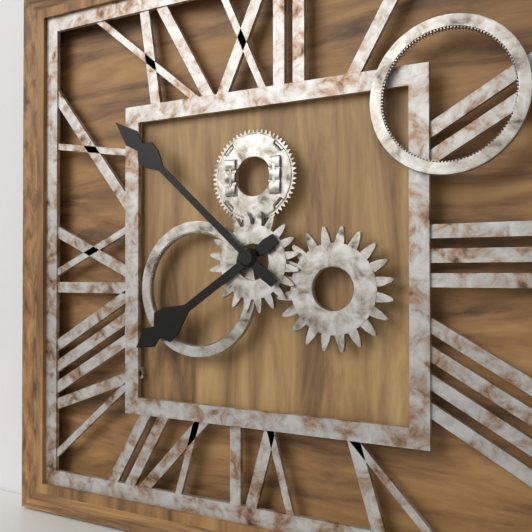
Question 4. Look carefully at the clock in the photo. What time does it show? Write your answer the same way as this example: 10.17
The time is 7.52
